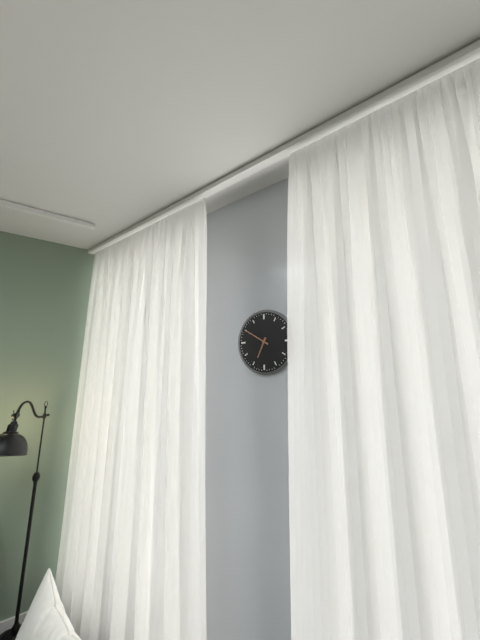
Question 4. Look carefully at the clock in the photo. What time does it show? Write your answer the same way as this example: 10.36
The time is 6.50
